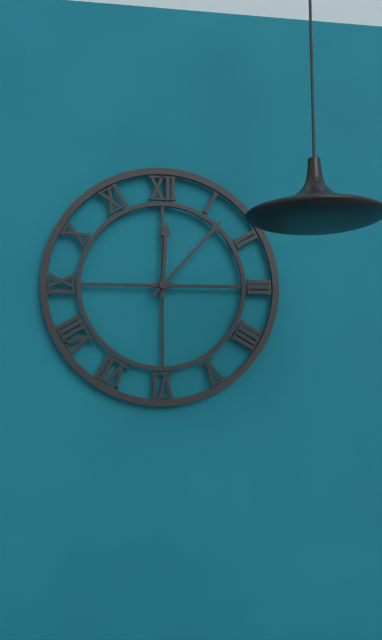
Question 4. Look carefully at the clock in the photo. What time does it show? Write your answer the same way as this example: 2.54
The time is 12.07
